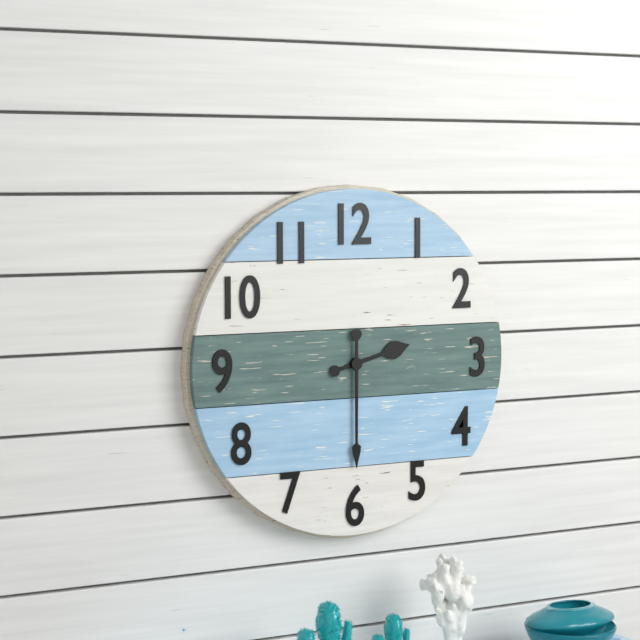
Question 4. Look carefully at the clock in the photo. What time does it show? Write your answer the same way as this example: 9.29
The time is 2.30
